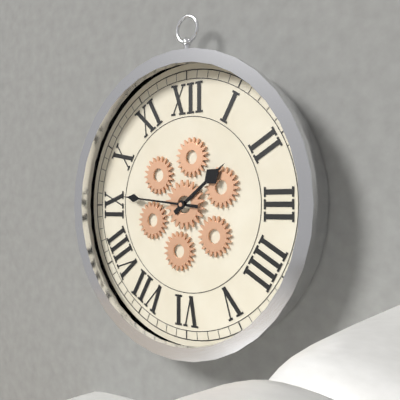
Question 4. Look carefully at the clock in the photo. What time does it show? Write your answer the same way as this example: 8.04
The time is 1.46
